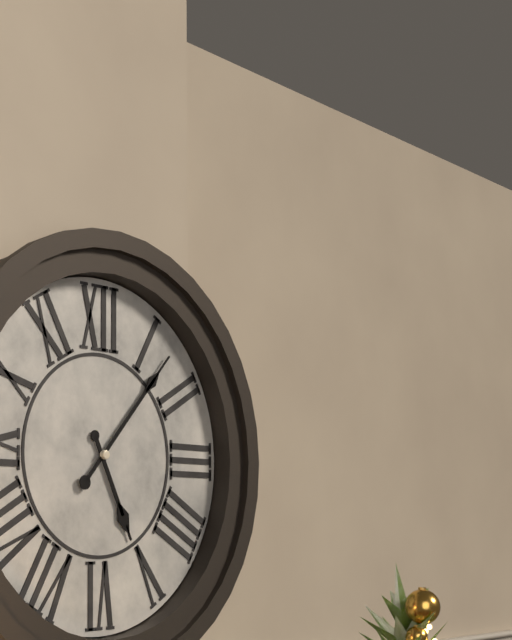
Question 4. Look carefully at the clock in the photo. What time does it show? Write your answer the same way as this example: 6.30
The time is 5.07
